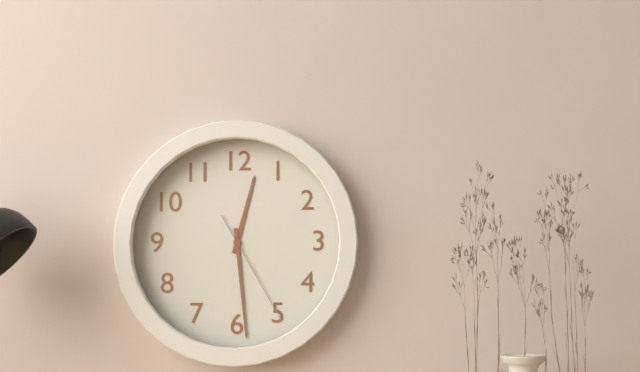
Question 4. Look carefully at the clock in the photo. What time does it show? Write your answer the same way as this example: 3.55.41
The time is 12.29.25
